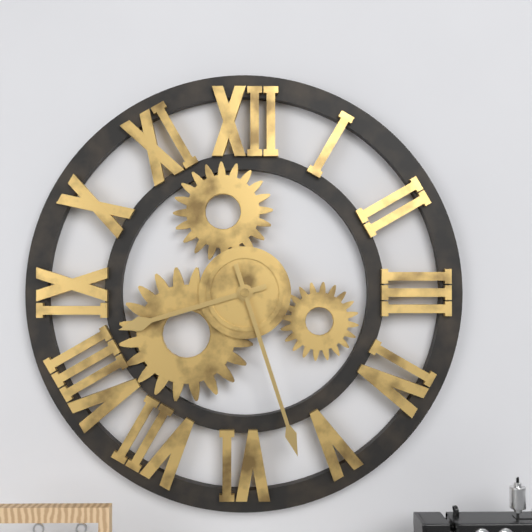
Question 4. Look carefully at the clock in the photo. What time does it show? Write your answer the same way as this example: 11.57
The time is 8.27
